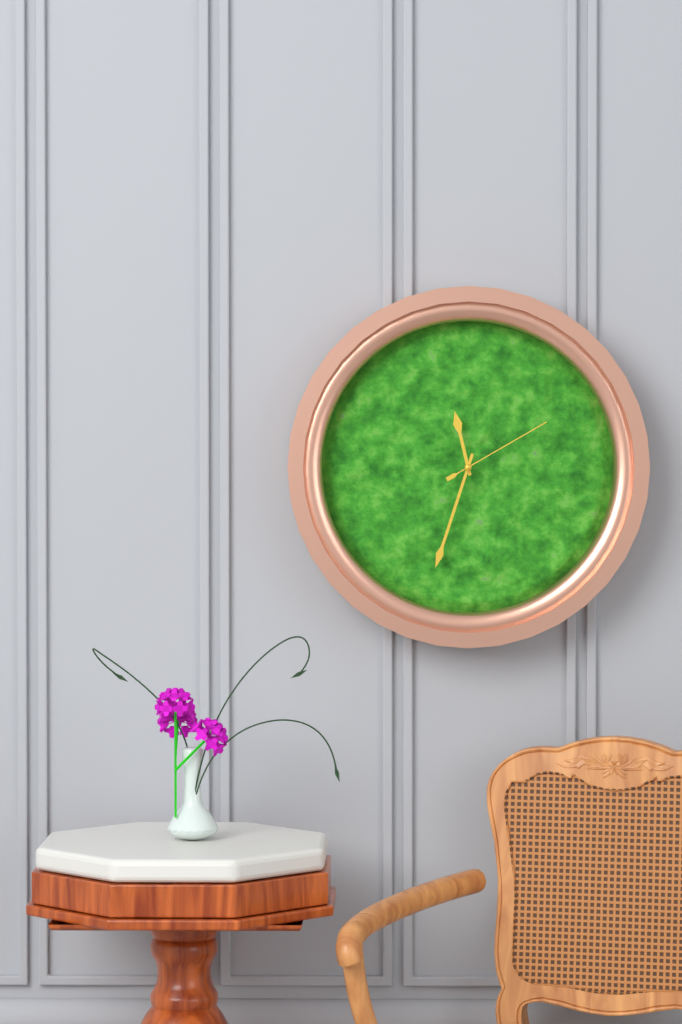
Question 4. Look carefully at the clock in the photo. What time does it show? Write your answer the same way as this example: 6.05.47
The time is 11.33.10
